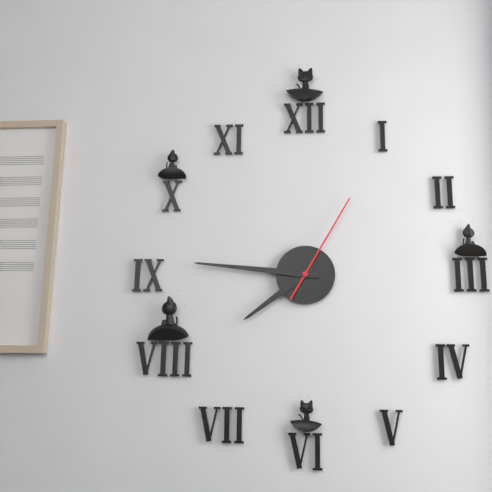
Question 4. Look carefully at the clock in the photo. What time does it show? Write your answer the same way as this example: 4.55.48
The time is 7.46.05
